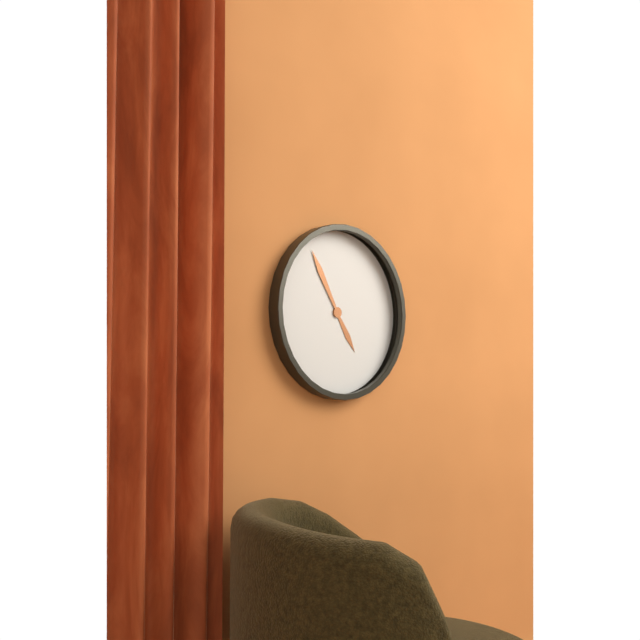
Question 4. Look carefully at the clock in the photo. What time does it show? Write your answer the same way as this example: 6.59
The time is 4.55
